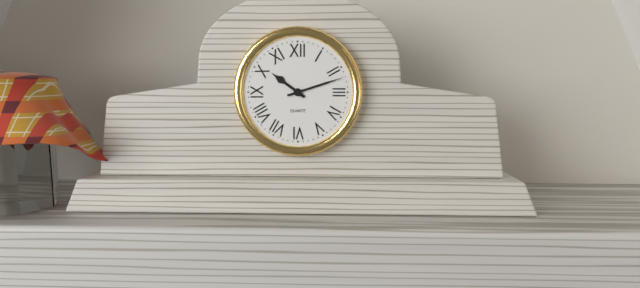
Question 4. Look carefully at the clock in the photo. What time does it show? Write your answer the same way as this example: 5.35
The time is 10.12
